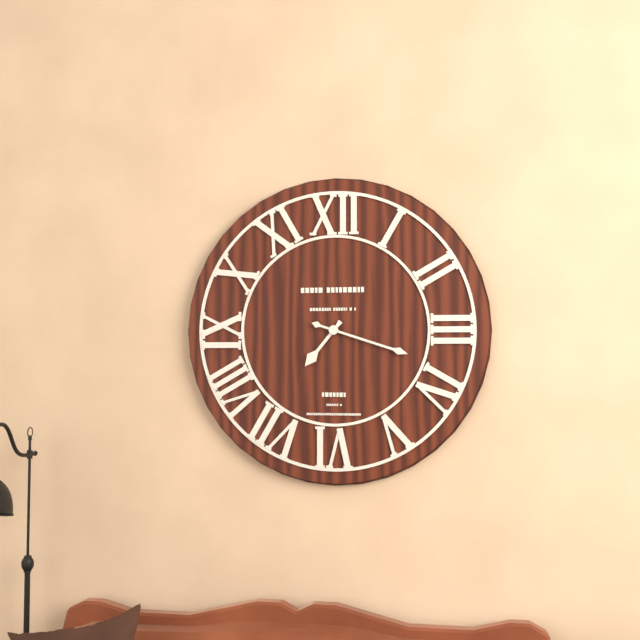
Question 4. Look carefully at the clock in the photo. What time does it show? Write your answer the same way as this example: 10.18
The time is 7.18
